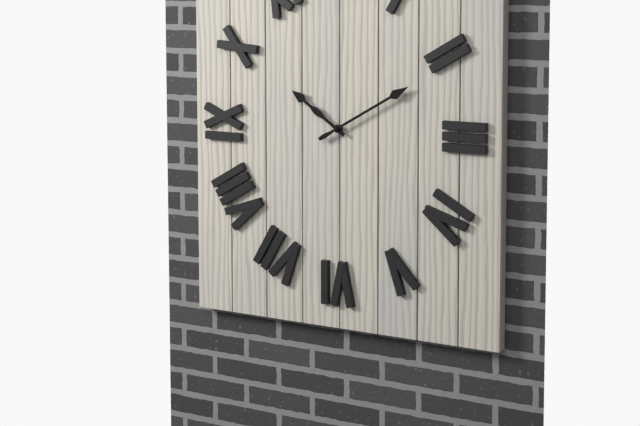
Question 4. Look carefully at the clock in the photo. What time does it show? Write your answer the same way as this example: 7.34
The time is 10.10
